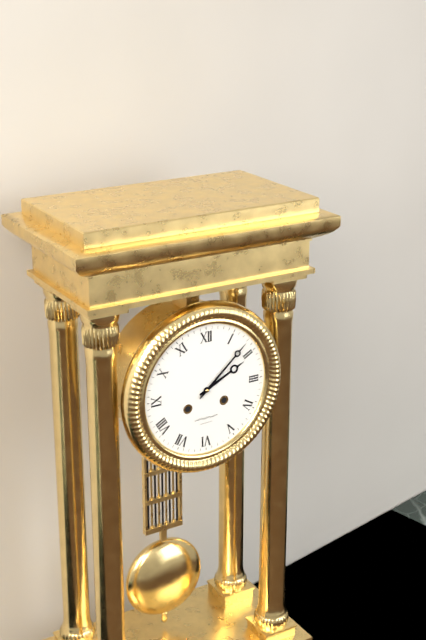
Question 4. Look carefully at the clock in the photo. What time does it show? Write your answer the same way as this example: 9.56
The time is 2.08
